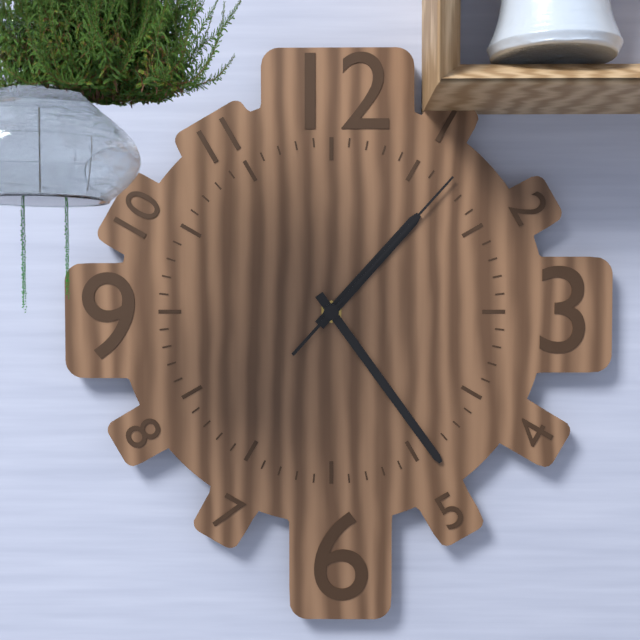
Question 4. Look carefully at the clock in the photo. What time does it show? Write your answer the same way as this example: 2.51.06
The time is 1.24.07
